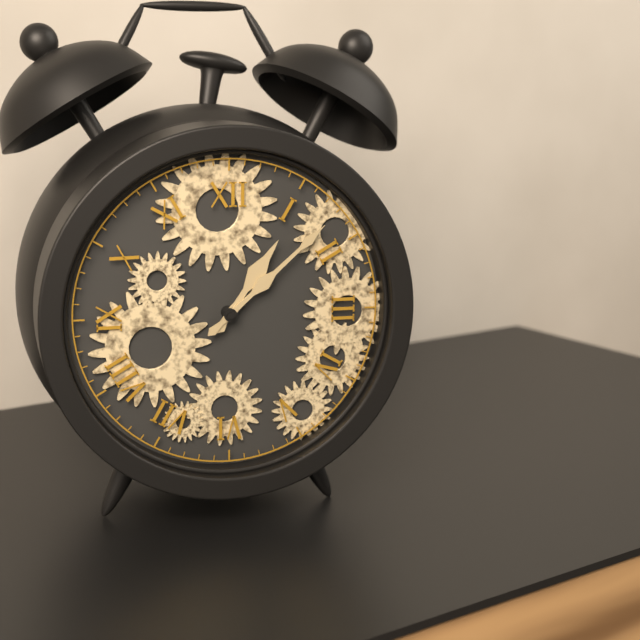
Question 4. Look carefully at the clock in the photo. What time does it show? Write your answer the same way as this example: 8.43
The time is 1.08
